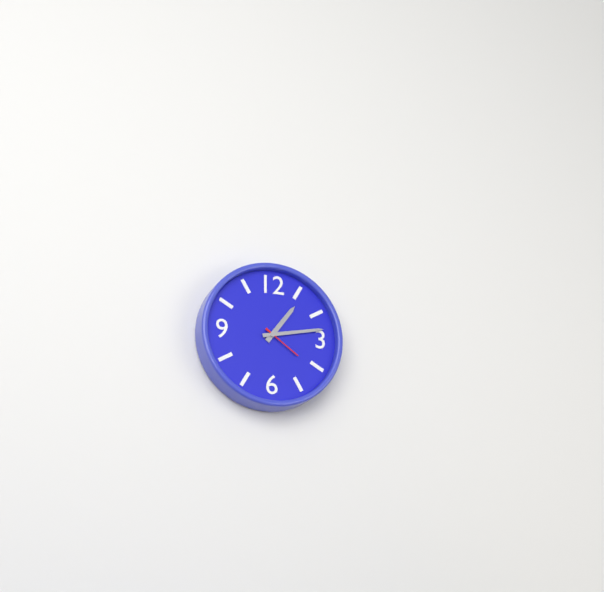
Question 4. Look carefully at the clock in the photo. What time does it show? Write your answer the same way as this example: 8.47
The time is 1.13
